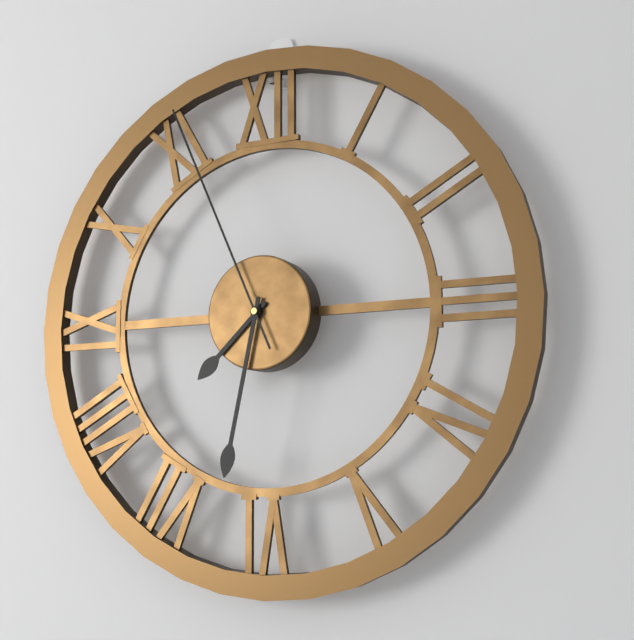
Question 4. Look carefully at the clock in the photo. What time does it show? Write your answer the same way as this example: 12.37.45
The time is 7.32.56
